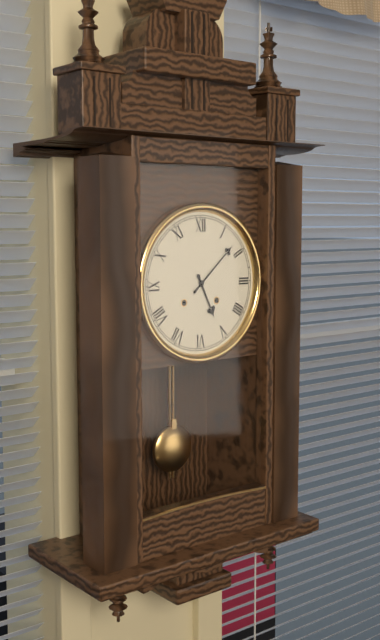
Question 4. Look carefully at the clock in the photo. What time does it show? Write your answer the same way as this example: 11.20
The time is 5.08
